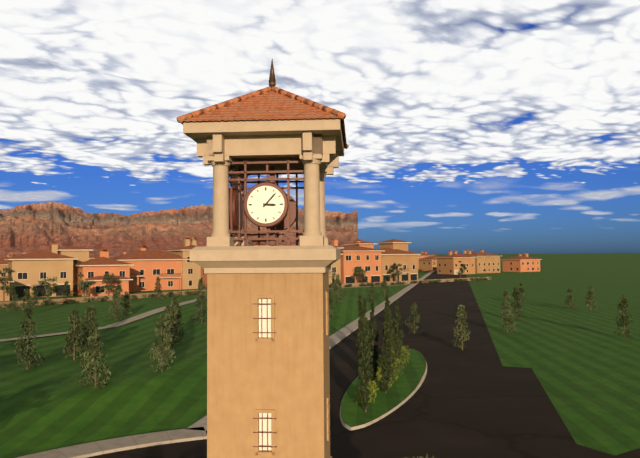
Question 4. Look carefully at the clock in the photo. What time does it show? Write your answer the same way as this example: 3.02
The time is 3.07
